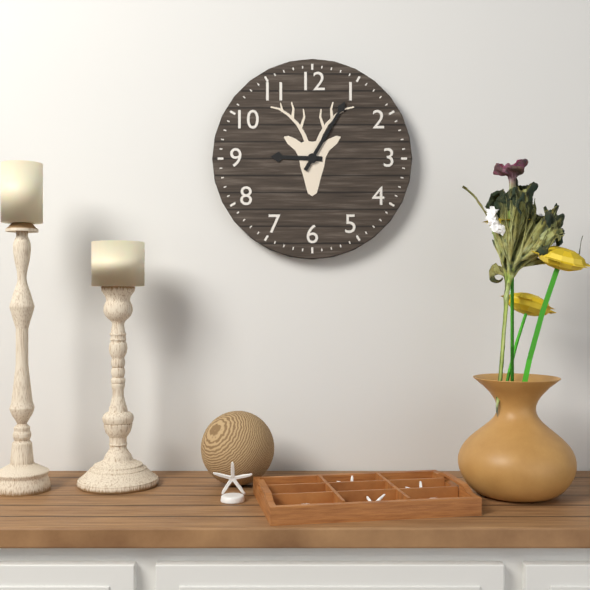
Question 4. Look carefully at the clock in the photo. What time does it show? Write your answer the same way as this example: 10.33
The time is 9.05
